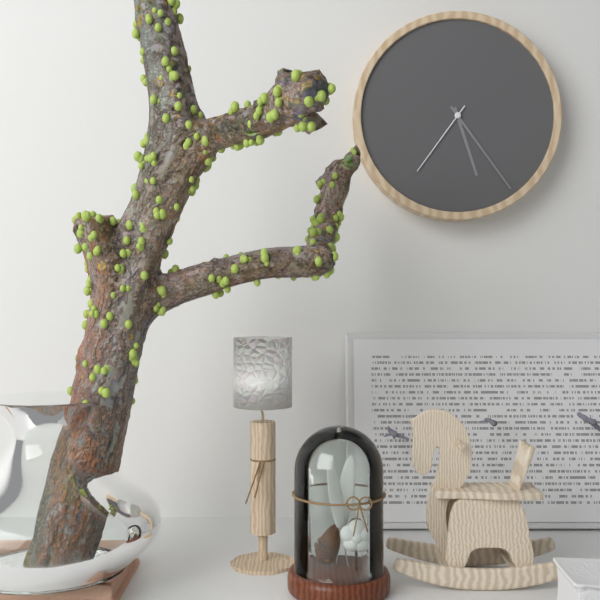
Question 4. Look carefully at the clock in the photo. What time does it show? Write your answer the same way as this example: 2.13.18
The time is 5.24.36
